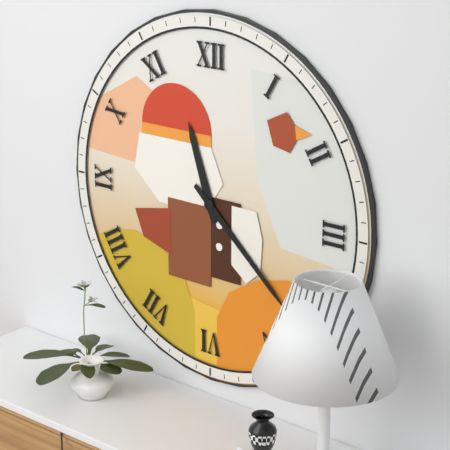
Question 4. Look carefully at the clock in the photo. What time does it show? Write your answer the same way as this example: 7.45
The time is 11.22
